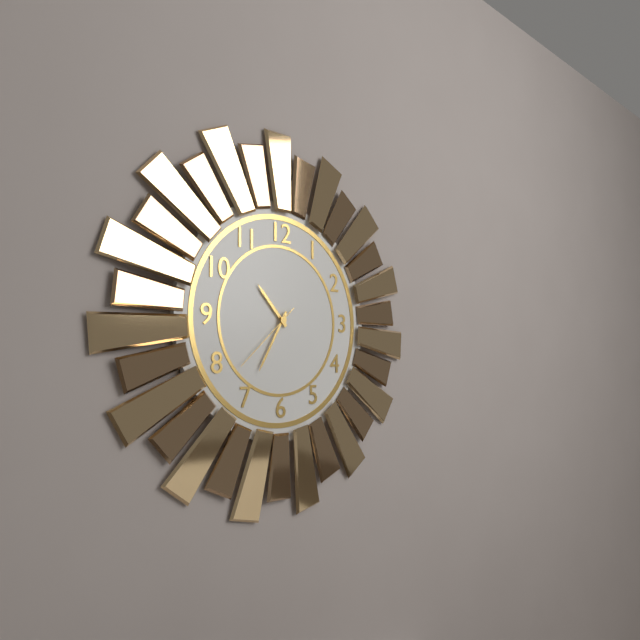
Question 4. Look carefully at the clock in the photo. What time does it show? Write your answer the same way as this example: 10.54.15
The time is 10.35.38
